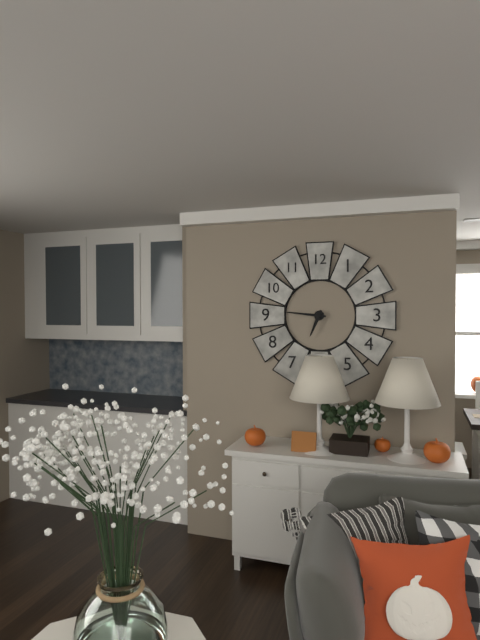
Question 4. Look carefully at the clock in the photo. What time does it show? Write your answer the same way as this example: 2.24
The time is 6.46
